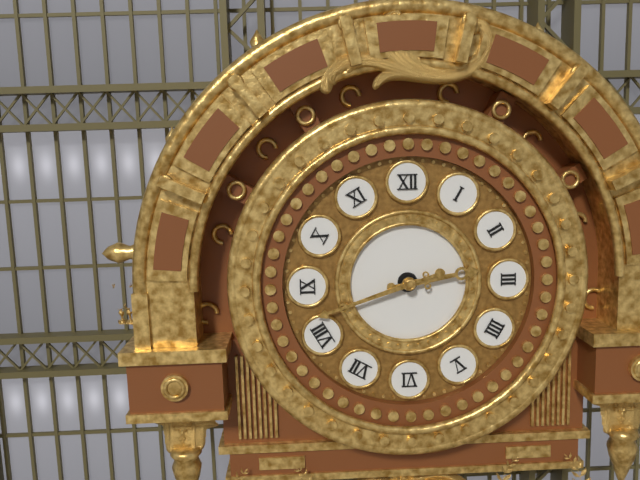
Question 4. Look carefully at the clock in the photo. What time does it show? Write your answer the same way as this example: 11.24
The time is 2.42
